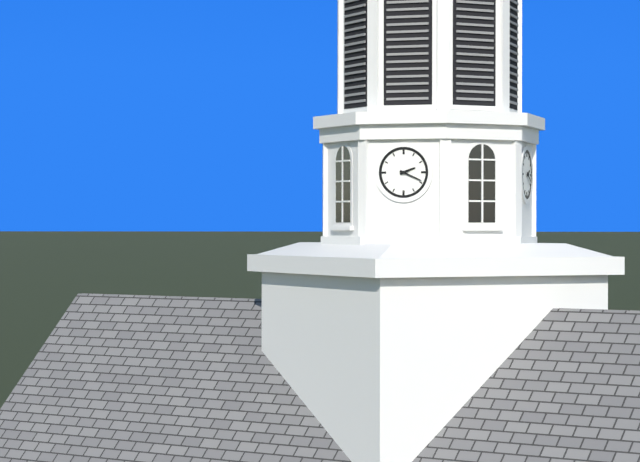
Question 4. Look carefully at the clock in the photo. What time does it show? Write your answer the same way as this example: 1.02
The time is 2.19
